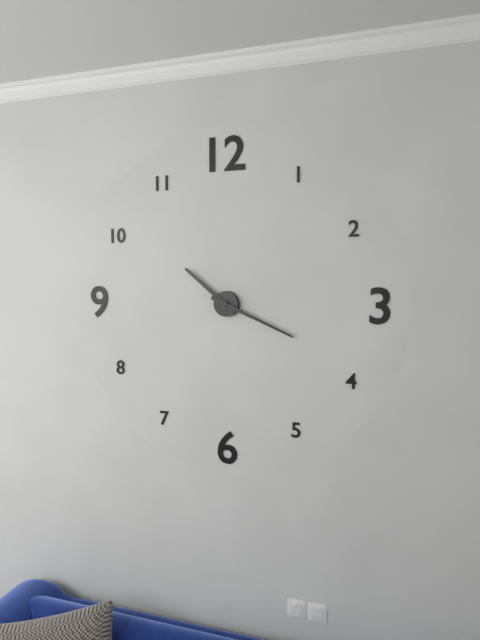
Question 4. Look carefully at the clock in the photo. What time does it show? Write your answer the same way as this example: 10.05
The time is 10.19
